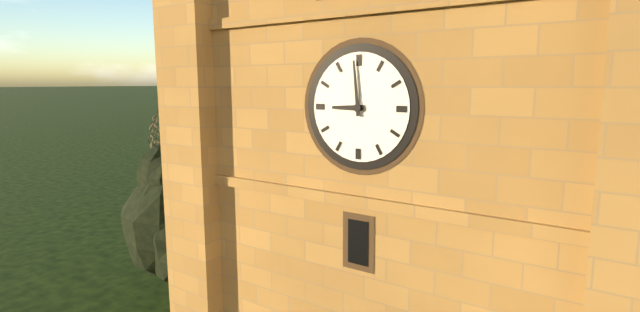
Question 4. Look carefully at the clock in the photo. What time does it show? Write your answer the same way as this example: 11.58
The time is 8.59
